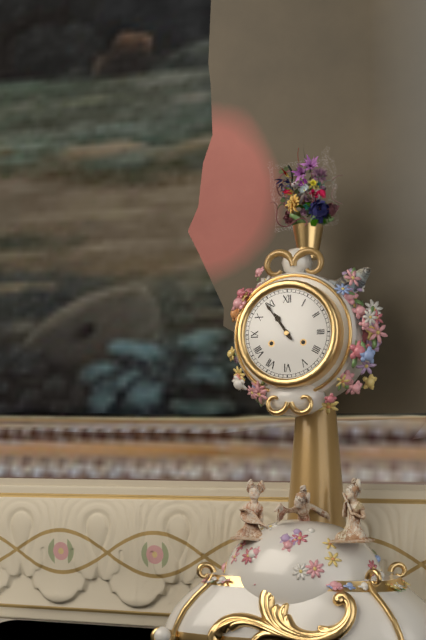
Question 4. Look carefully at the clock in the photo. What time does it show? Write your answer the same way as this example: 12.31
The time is 10.54
